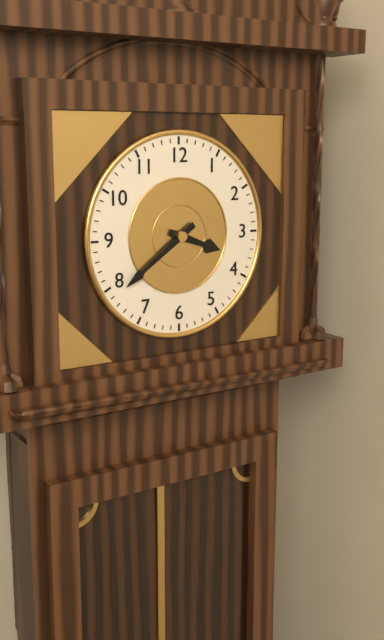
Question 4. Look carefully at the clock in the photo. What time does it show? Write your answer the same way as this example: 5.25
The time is 3.39
